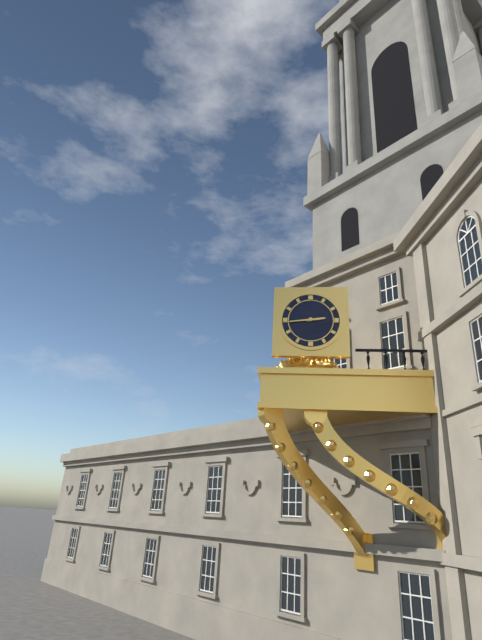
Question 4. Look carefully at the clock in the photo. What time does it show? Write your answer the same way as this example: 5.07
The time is 2.44
